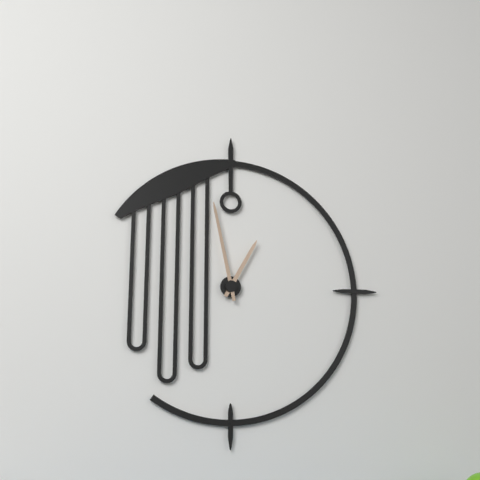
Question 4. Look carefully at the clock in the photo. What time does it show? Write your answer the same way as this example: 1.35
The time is 12.58
